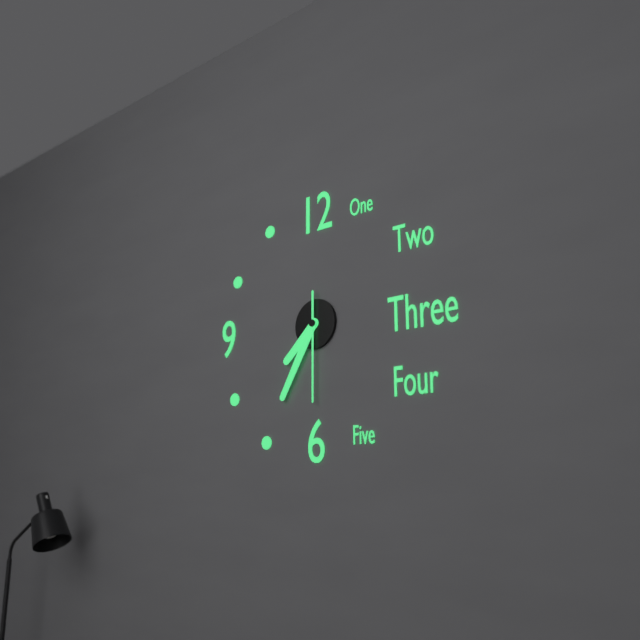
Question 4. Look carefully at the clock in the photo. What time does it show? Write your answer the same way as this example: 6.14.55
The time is 7.35.30
